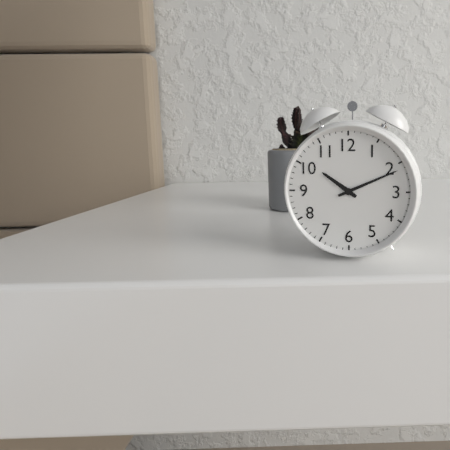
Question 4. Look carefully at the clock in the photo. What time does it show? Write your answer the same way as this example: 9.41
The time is 10.11
